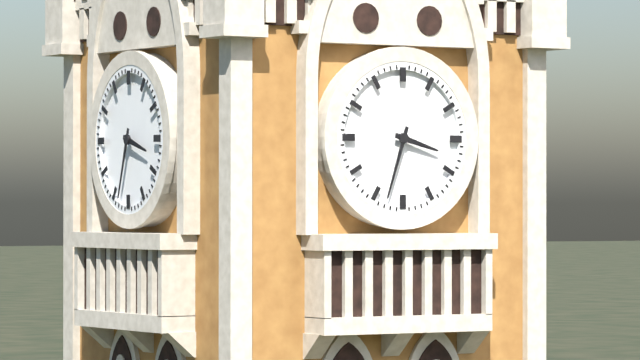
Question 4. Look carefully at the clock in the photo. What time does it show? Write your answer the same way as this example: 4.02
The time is 3.33
